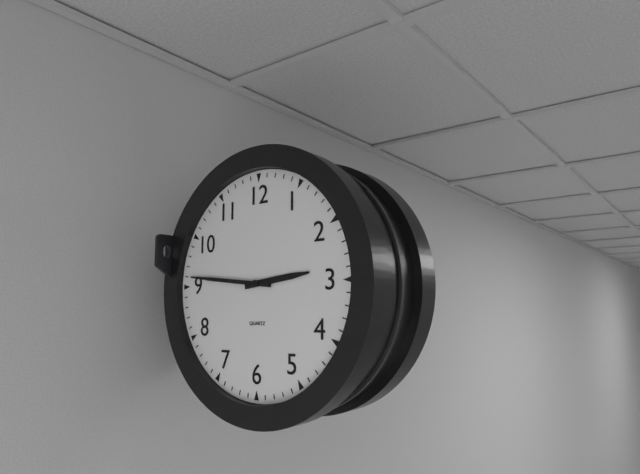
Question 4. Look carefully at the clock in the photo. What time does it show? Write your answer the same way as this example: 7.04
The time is 2.46
